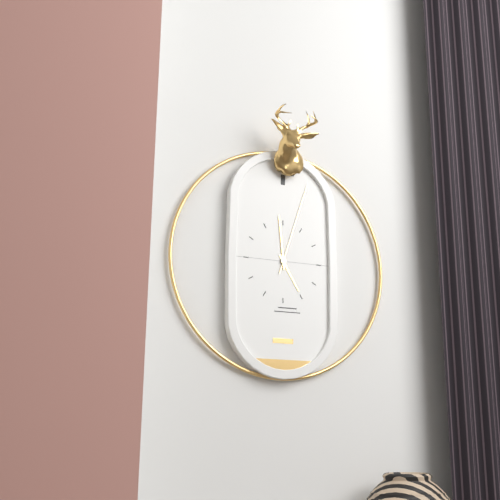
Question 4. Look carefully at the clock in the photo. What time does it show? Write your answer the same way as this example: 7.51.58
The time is 4.59.03
